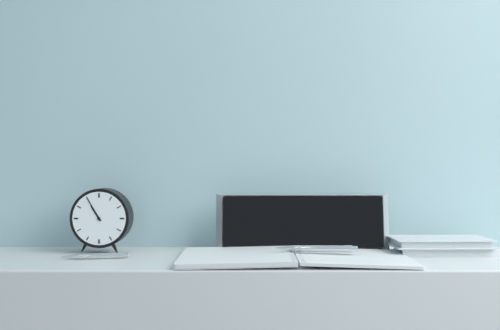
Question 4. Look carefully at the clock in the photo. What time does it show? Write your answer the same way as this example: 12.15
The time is 10.55
